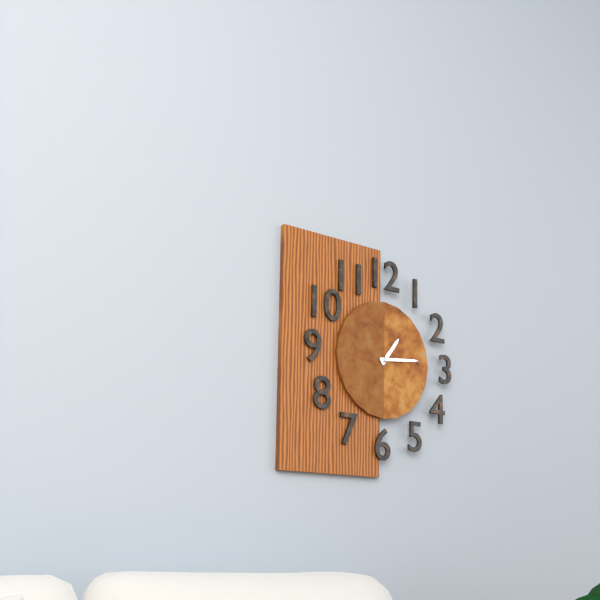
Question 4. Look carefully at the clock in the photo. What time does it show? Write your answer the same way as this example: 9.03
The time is 1.14
